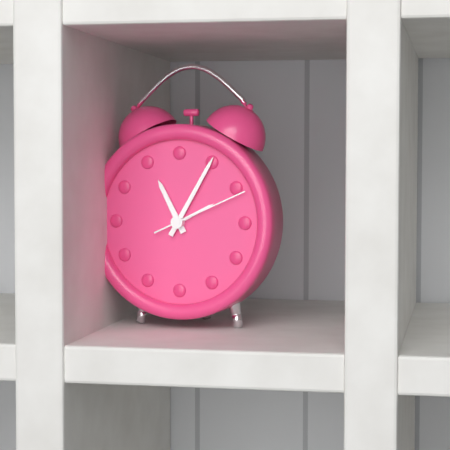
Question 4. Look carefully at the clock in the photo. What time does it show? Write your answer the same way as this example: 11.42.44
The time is 11.05.11
